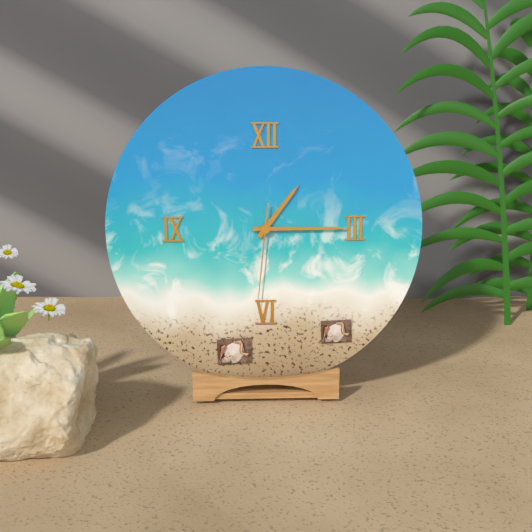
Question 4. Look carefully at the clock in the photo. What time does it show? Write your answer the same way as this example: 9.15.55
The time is 1.15.31
